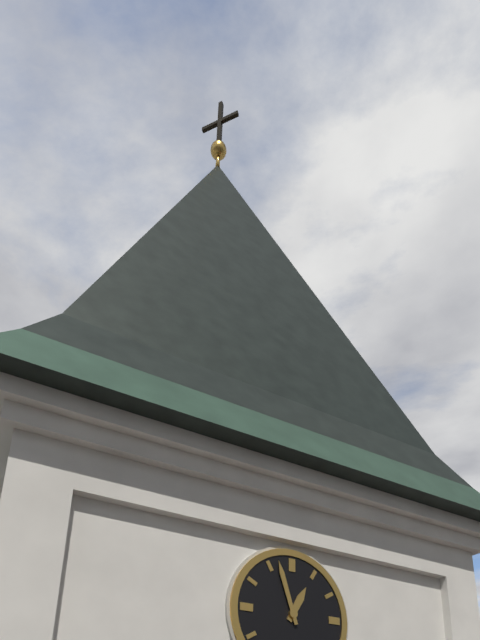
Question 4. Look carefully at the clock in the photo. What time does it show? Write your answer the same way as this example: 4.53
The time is 12.57
